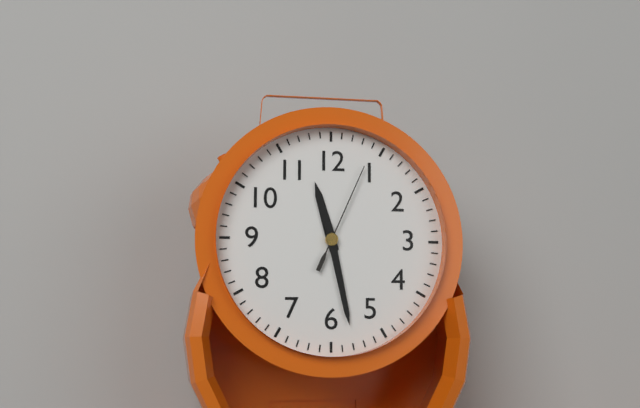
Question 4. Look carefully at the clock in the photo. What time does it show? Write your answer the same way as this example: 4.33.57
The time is 11.28.04
